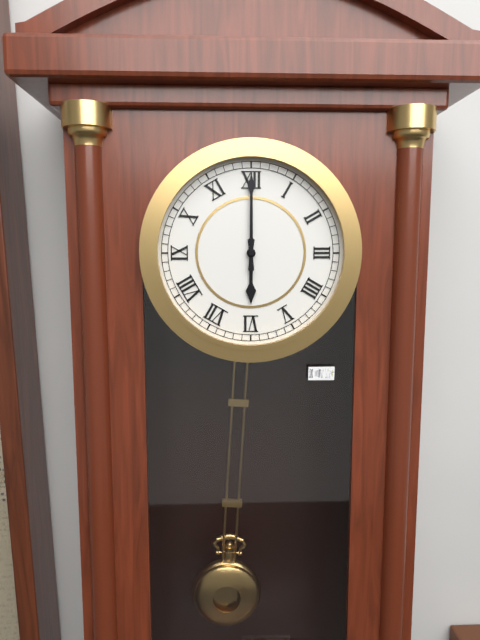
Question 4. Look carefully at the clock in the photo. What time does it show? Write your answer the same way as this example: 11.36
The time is 6.00
